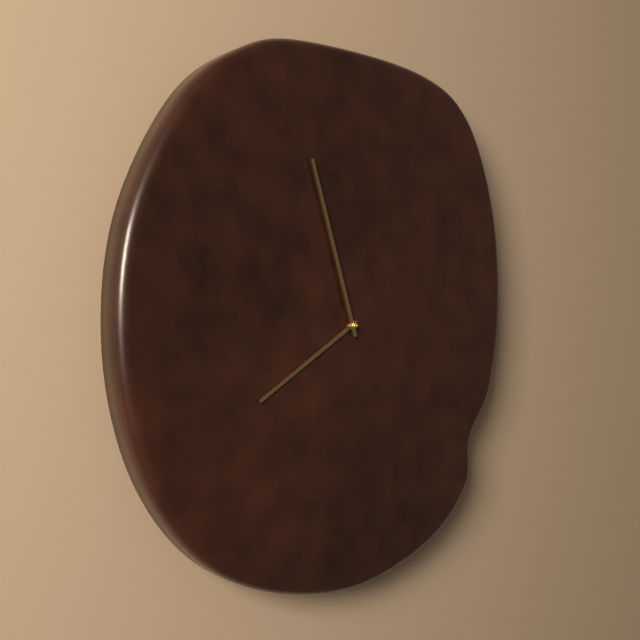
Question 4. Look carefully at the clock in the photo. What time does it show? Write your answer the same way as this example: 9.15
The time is 7.57
